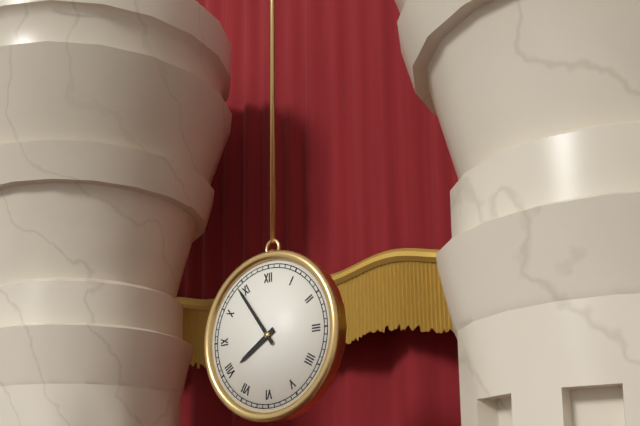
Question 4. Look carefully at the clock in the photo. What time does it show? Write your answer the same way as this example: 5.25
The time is 7.54
